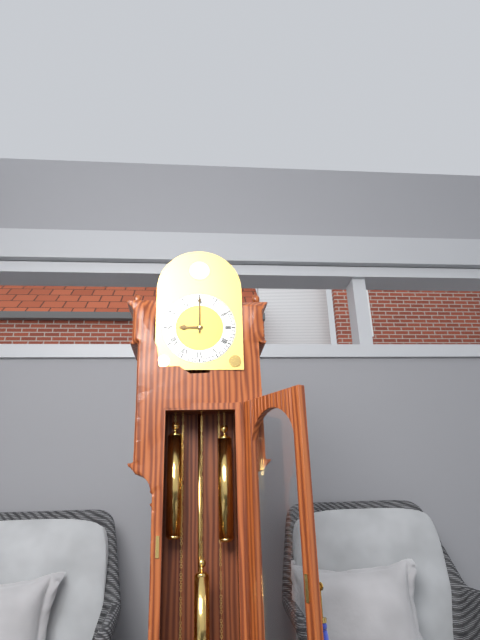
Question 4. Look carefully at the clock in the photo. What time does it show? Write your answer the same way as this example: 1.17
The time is 9.00
